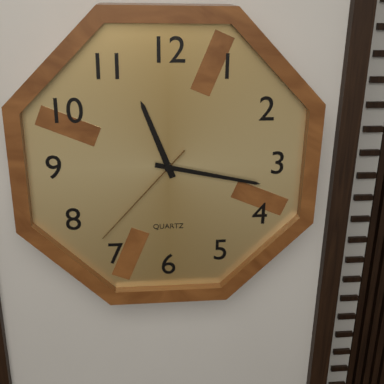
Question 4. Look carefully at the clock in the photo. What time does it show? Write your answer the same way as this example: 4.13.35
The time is 11.17.37
